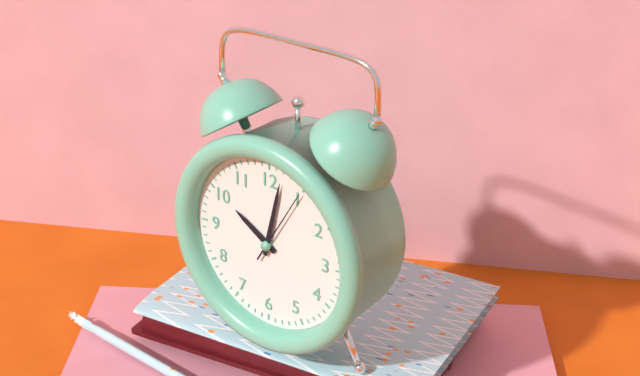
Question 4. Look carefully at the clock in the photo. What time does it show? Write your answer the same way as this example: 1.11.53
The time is 10.02.05
